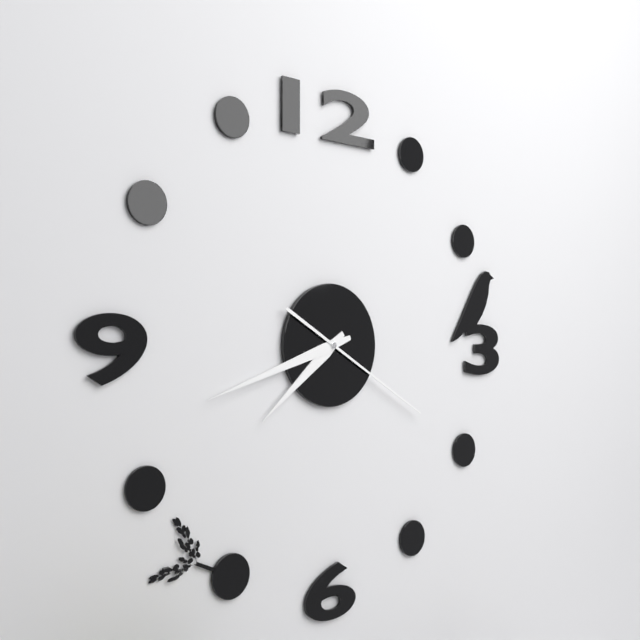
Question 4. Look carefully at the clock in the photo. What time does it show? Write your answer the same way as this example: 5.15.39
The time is 7.42.20
